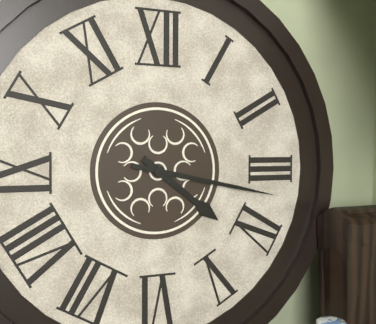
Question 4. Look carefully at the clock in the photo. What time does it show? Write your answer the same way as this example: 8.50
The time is 4.17
